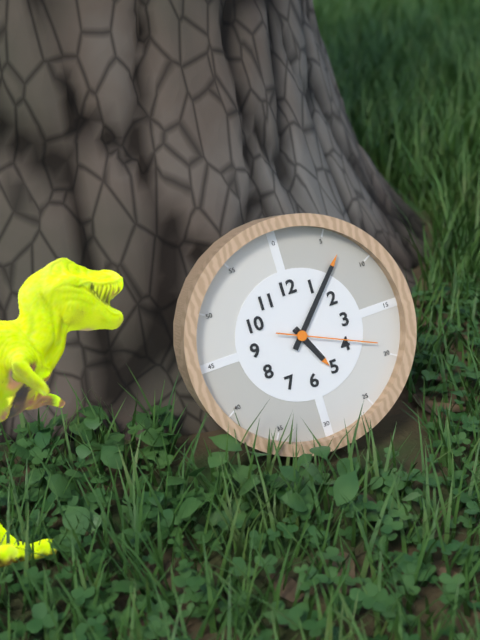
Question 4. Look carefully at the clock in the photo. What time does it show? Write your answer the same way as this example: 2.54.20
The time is 5.07.19
